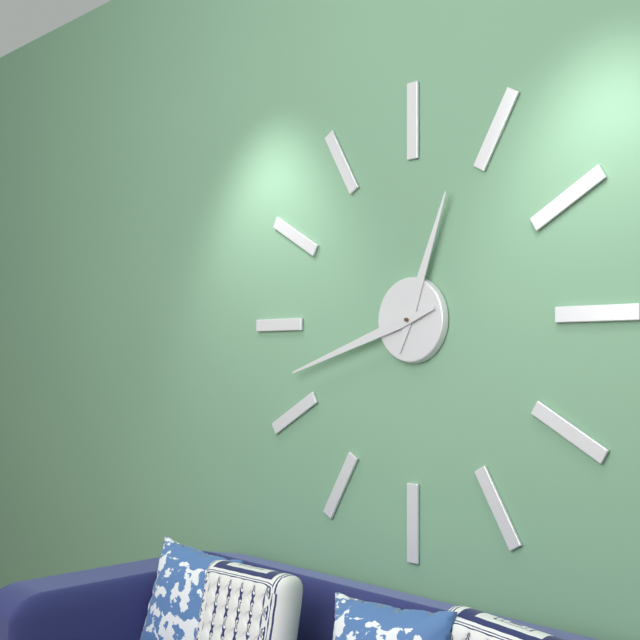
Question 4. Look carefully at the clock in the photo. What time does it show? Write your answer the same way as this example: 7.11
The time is 12.42
